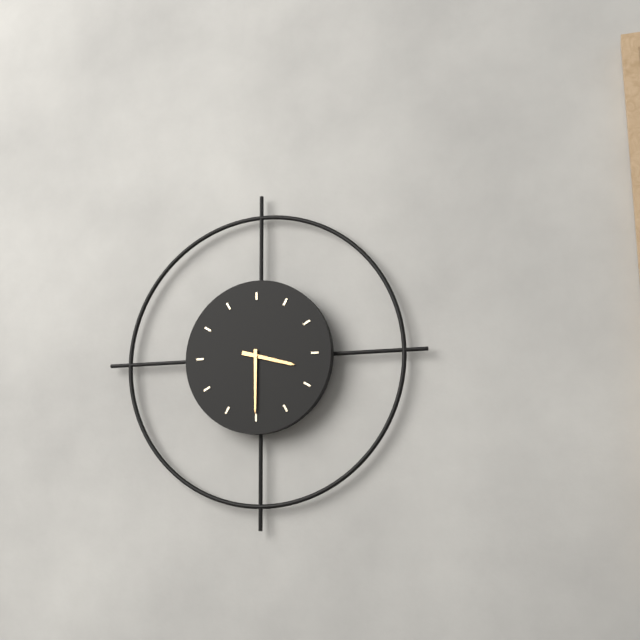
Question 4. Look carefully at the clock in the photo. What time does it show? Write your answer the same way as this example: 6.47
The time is 3.30
